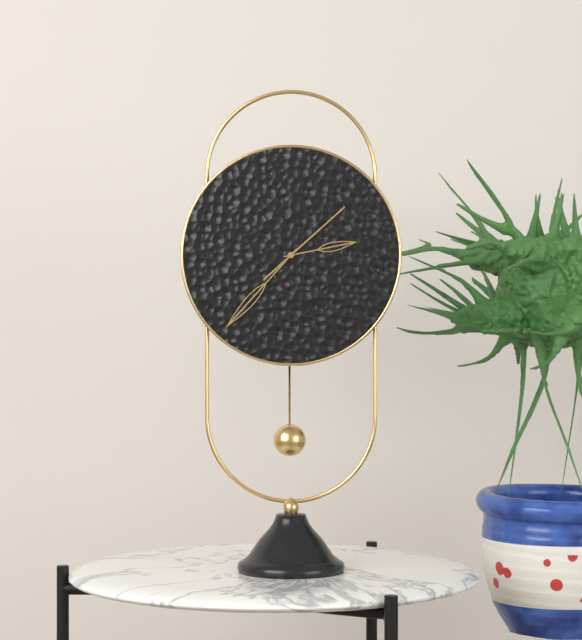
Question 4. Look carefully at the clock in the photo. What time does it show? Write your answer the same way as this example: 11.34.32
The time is 2.37.08
